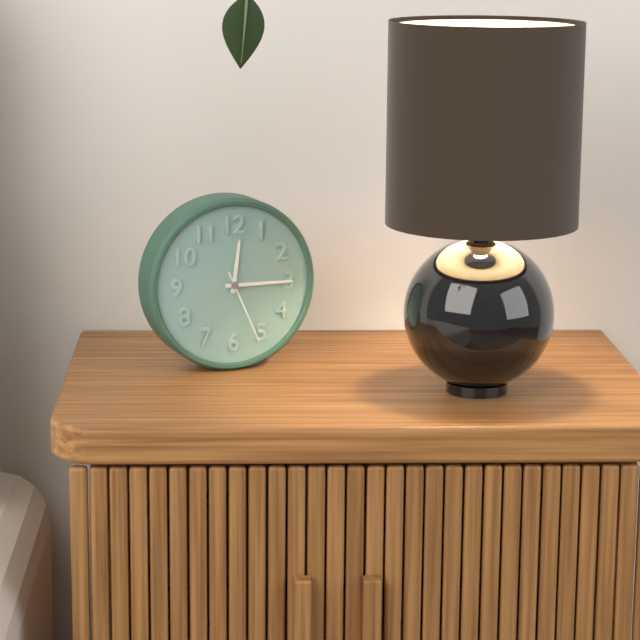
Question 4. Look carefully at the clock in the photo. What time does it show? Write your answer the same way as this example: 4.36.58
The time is 12.15.26
